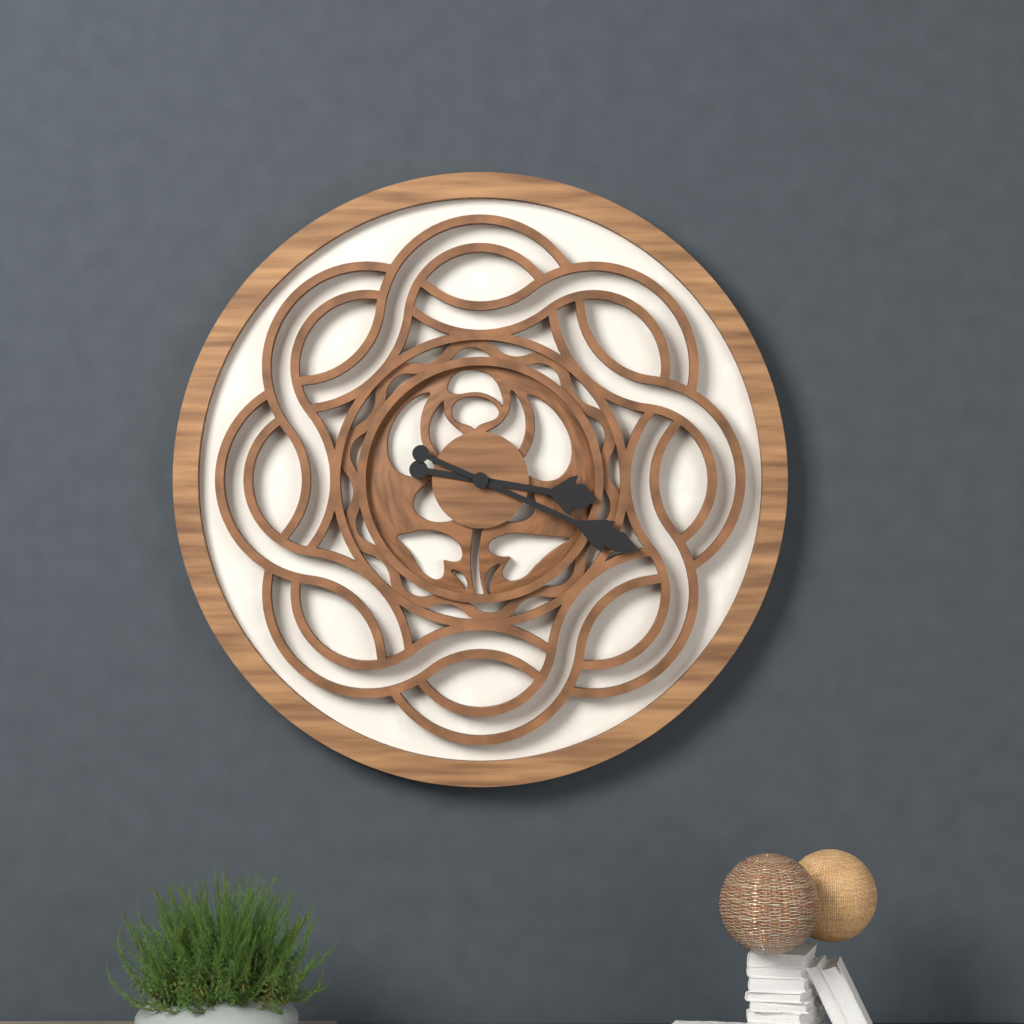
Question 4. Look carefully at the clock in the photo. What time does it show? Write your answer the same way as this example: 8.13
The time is 3.19
